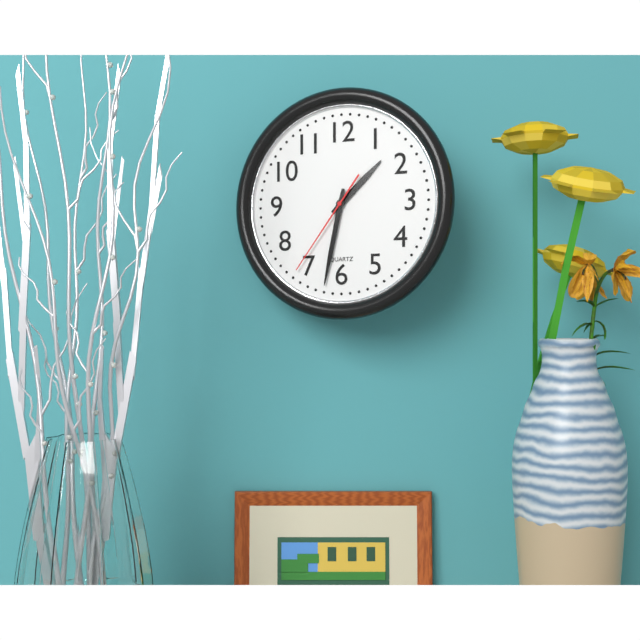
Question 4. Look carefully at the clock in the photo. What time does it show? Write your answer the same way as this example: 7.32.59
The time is 1.32.36
